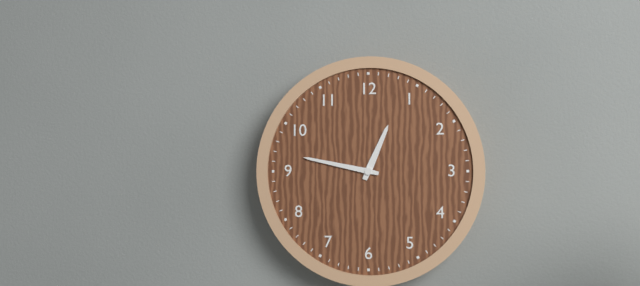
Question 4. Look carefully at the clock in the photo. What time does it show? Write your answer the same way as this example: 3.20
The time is 12.47
